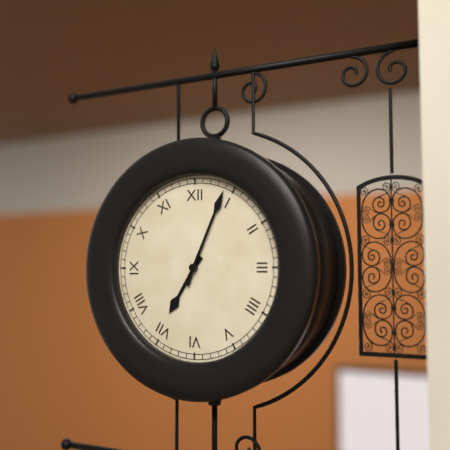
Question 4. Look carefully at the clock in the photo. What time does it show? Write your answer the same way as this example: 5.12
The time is 7.04
